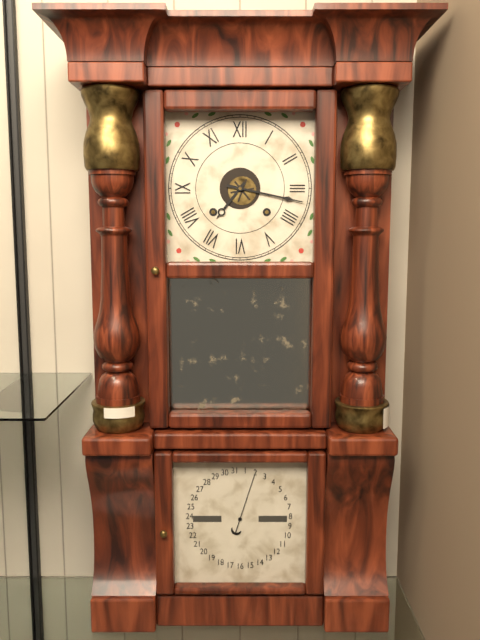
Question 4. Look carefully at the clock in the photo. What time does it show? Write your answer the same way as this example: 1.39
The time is 7.17
